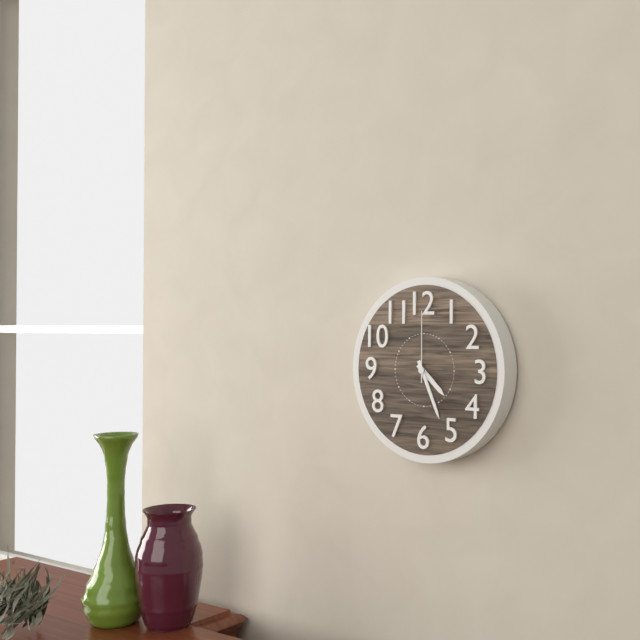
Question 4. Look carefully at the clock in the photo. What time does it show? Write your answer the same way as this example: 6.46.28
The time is 4.26.00
